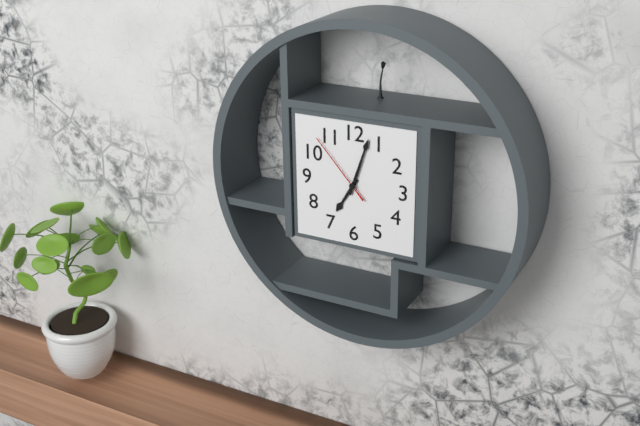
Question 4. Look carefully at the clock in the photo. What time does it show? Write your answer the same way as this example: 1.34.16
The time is 7.03.53
